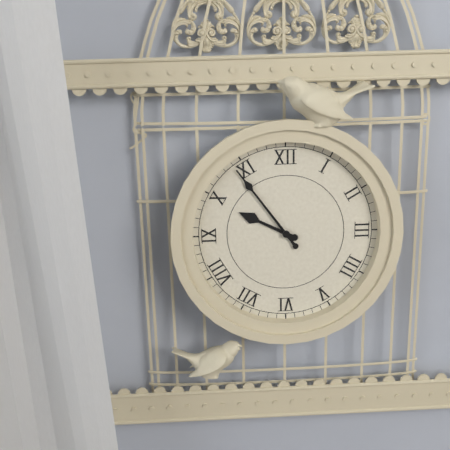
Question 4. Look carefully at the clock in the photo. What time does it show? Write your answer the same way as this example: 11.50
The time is 9.54
